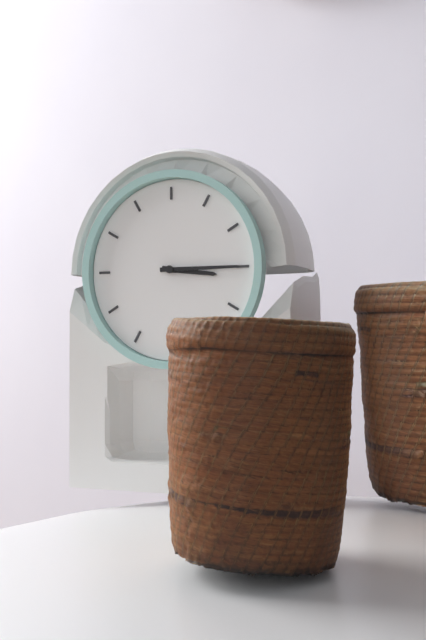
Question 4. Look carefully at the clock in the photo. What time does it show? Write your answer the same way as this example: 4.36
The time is 3.15
